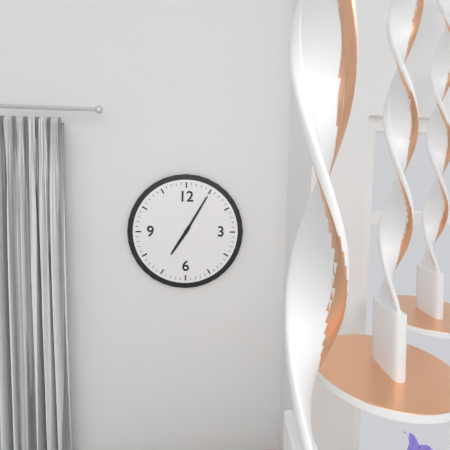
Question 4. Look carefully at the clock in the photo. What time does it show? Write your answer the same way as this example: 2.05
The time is 7.05
